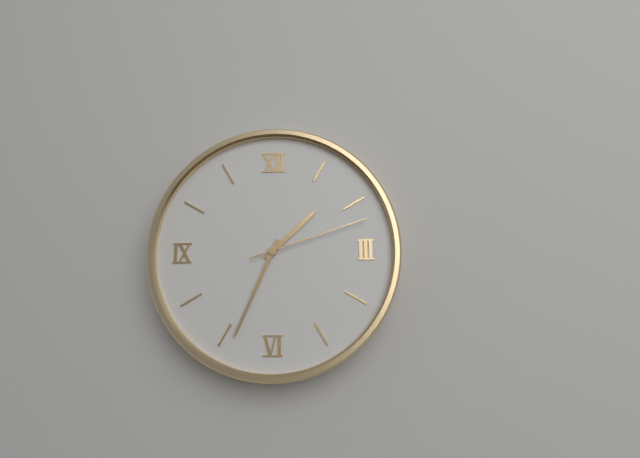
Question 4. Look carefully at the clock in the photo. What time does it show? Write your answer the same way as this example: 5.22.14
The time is 1.34.12
